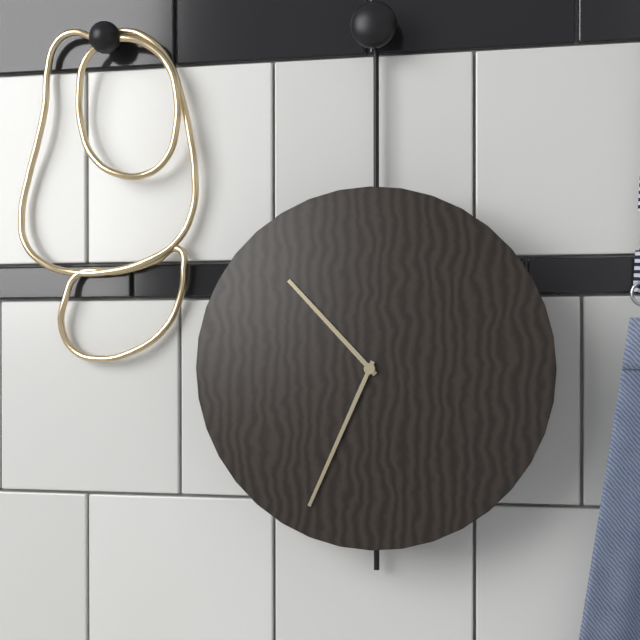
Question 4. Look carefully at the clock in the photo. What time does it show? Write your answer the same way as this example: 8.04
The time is 10.34
